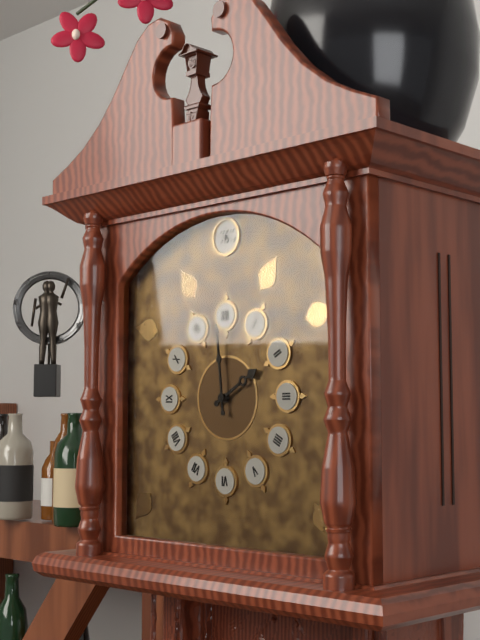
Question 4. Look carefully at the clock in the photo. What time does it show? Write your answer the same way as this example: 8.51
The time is 1.59
